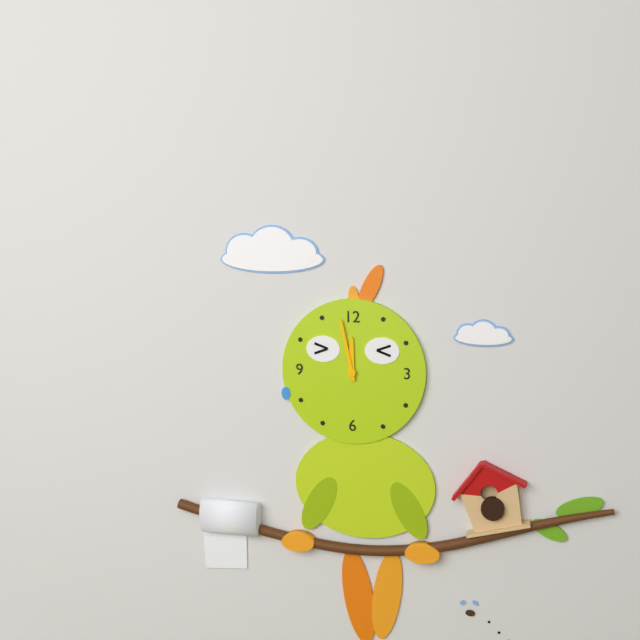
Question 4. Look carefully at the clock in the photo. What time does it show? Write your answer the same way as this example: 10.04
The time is 11.58
